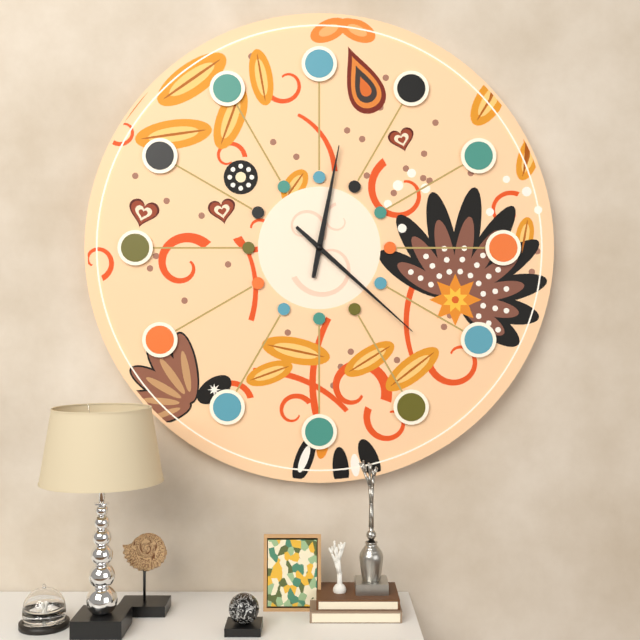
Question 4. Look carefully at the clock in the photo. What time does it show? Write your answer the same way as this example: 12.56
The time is 12.22
